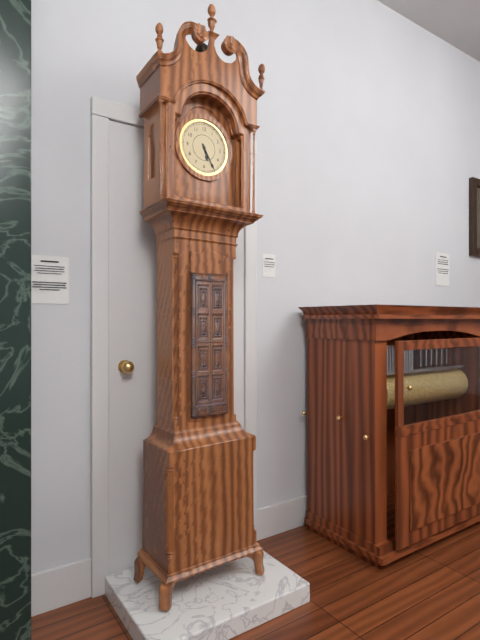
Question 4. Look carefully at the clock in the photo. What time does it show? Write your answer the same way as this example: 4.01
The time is 5.25
